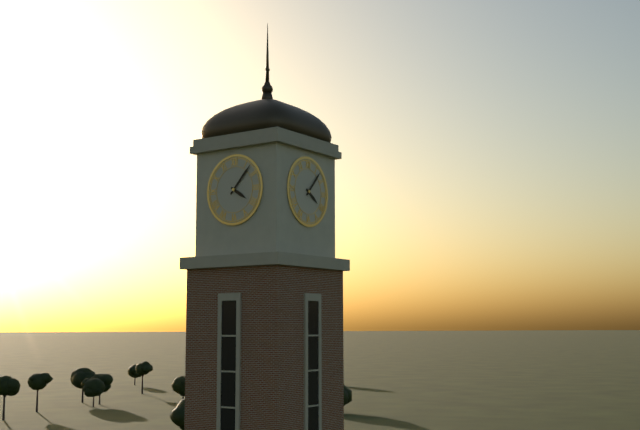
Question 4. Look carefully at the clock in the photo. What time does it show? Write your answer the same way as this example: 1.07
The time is 4.07
